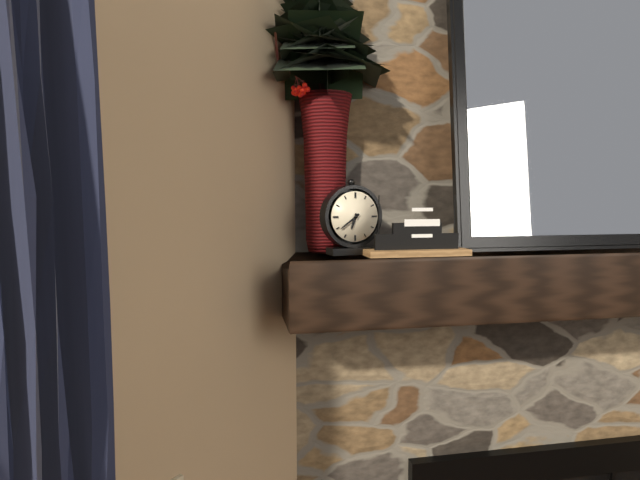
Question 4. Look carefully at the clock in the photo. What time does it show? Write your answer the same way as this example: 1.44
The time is 6.39
